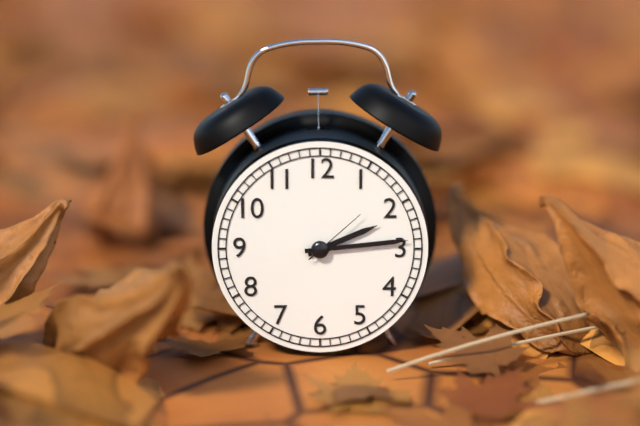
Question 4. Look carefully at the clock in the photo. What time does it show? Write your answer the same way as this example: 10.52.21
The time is 2.14.08
